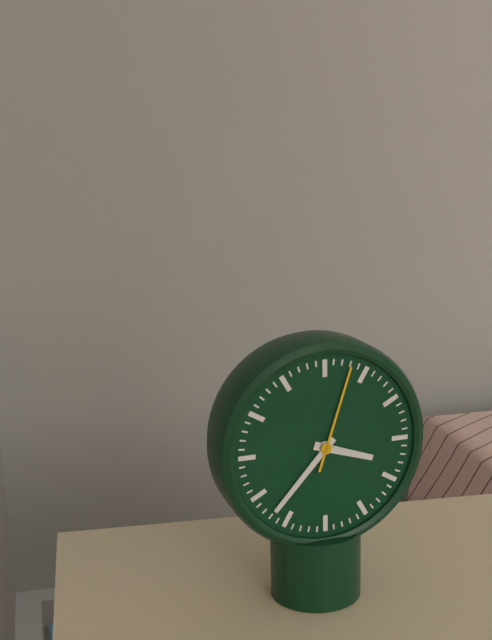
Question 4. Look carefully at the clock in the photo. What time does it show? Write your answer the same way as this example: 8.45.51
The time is 3.37.03
